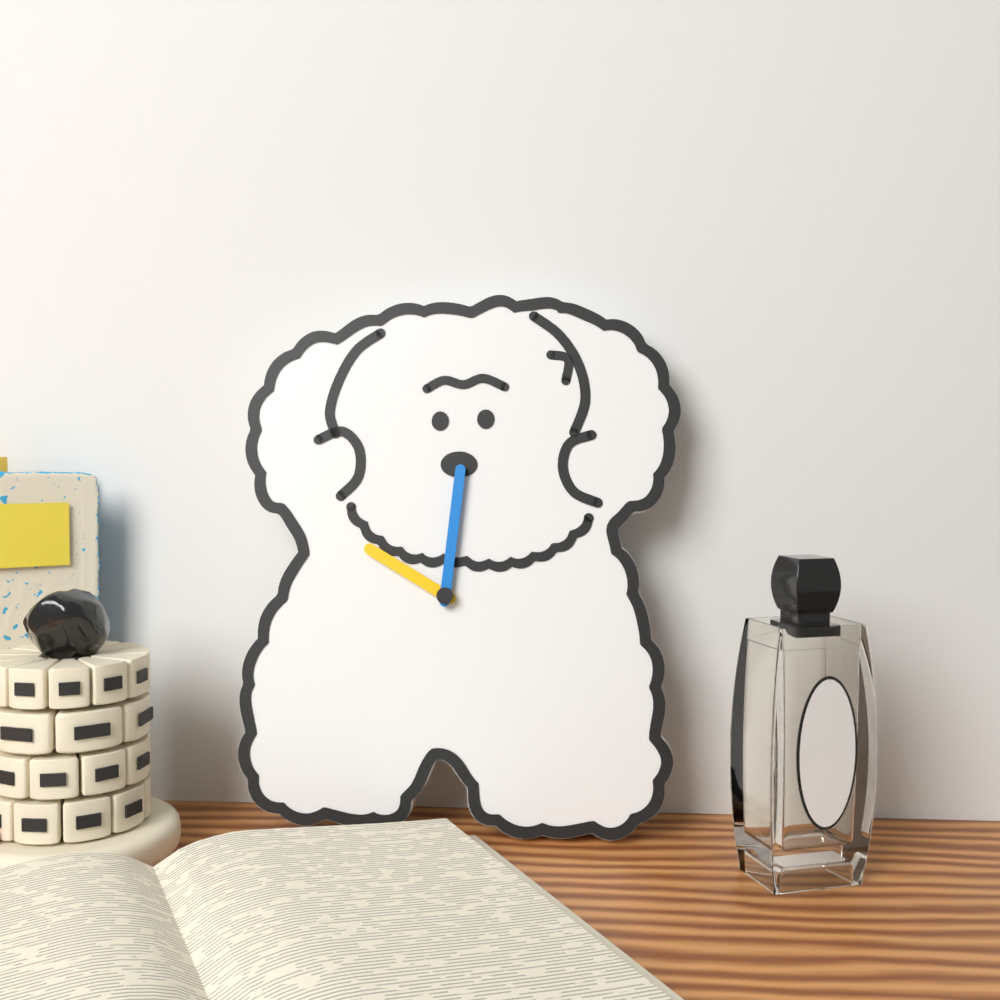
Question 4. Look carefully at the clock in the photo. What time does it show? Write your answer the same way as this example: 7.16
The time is 10.01
